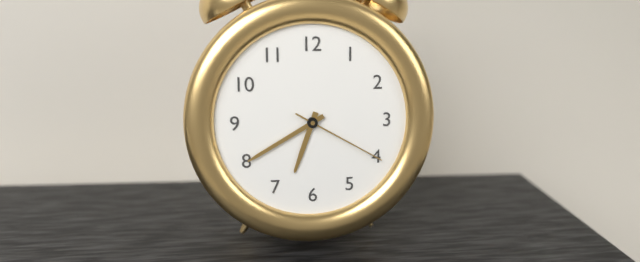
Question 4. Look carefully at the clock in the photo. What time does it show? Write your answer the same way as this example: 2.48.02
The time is 6.40.20
